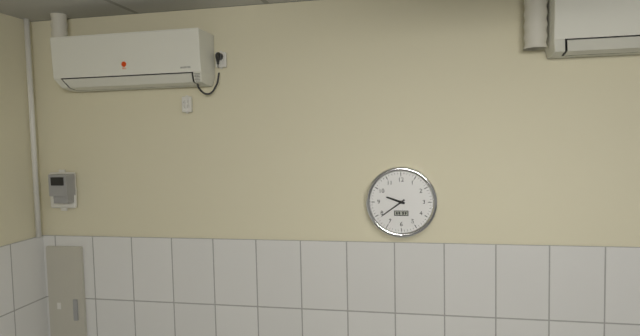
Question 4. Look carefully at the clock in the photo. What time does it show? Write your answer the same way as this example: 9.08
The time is 9.39
